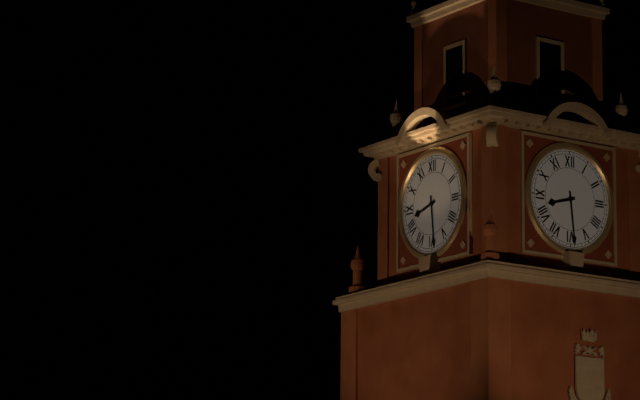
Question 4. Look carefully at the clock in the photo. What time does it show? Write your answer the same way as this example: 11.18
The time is 8.29
